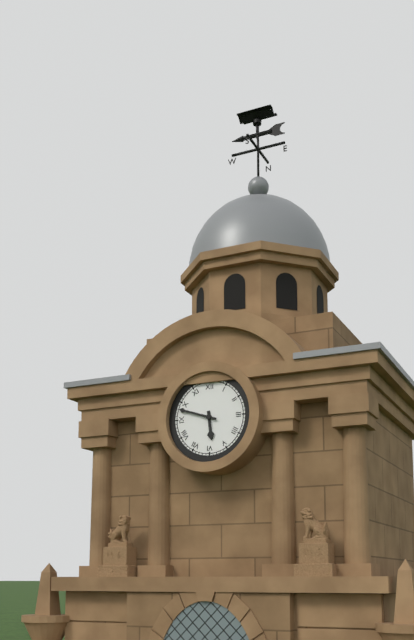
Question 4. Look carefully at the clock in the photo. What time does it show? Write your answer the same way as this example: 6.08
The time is 5.48
